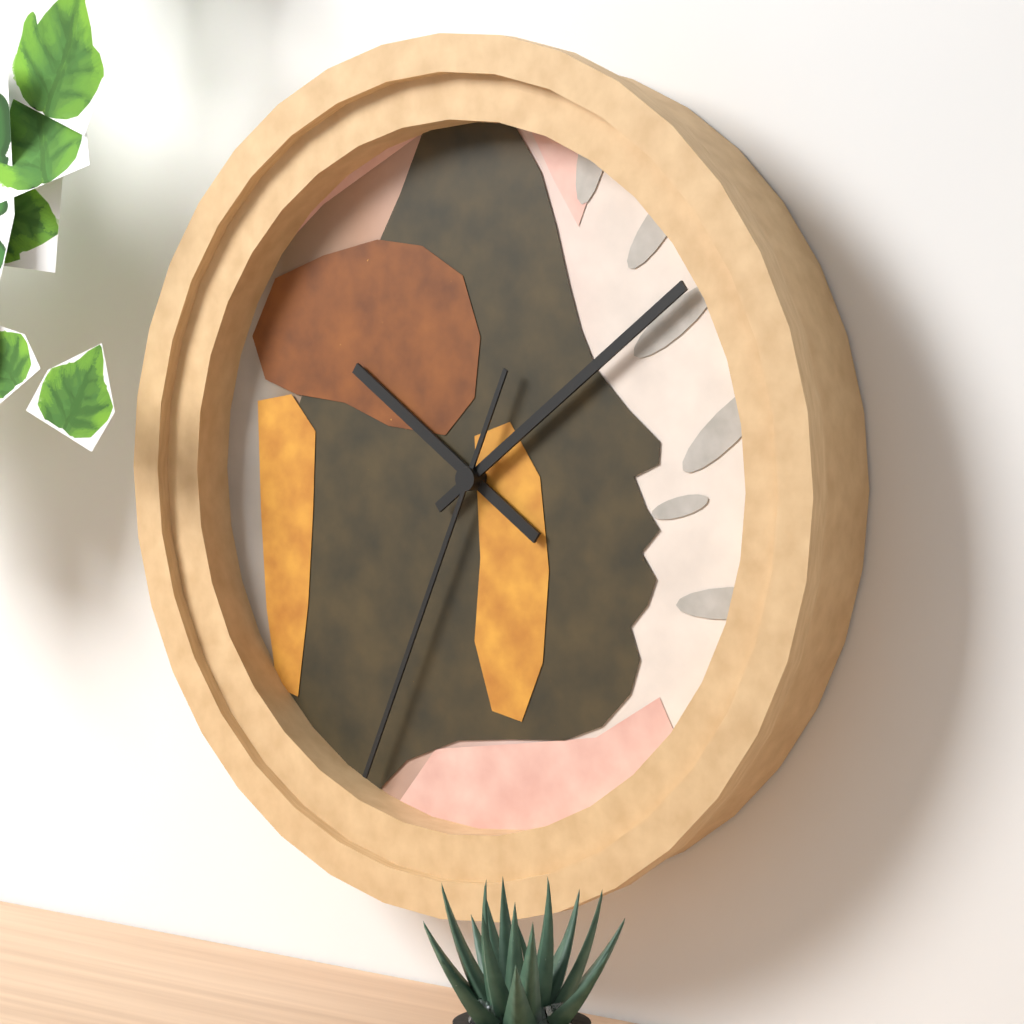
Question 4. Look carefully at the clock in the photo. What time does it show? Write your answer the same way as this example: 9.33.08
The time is 10.09.34
